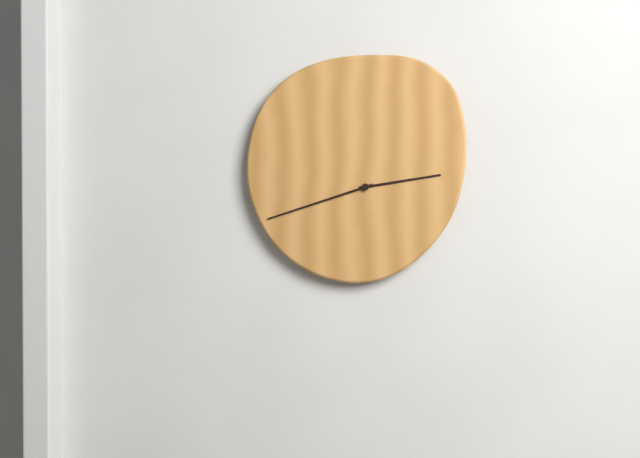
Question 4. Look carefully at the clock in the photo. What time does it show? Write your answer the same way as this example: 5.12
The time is 2.42
